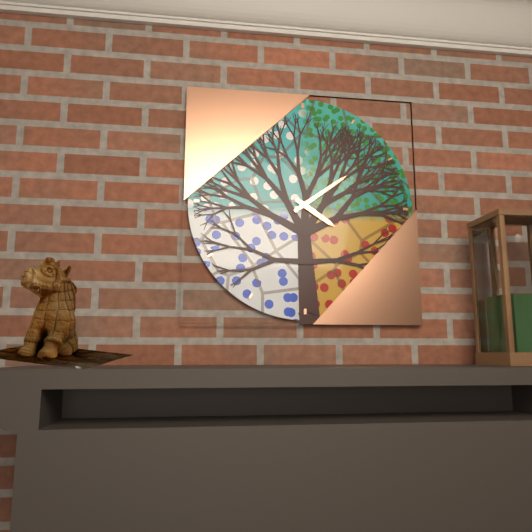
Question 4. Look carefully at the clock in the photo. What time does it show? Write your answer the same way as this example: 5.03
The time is 4.09
